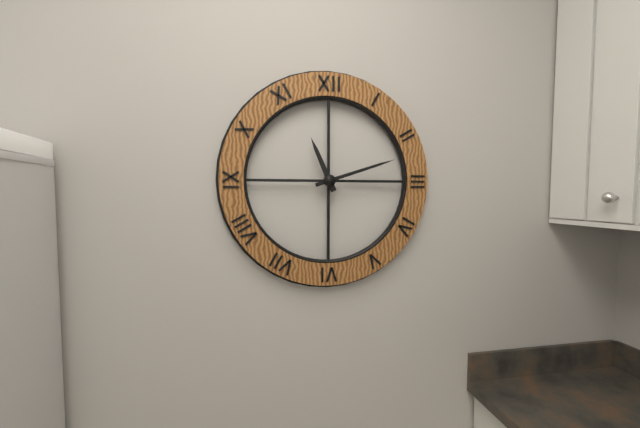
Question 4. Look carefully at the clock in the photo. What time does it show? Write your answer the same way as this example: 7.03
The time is 11.12
